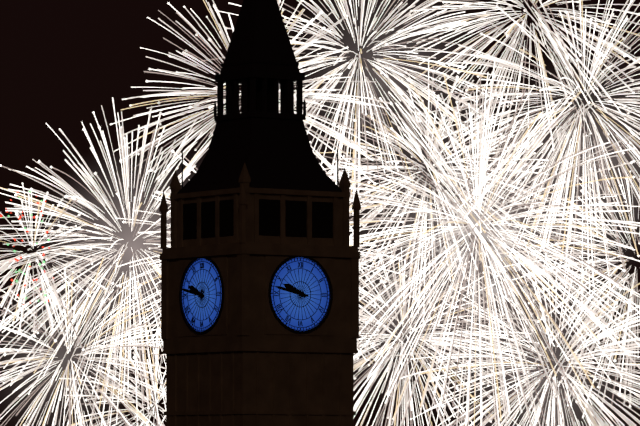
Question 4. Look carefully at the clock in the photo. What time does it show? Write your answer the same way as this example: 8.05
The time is 9.47
